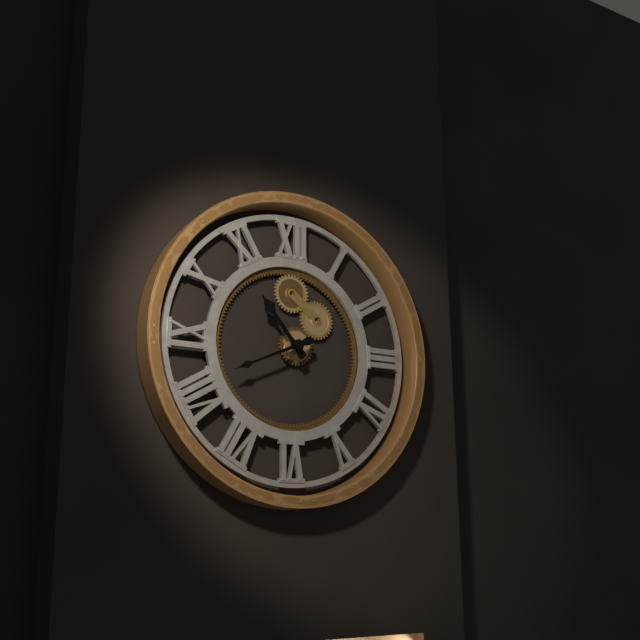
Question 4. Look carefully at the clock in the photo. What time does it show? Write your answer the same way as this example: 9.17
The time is 10.41
